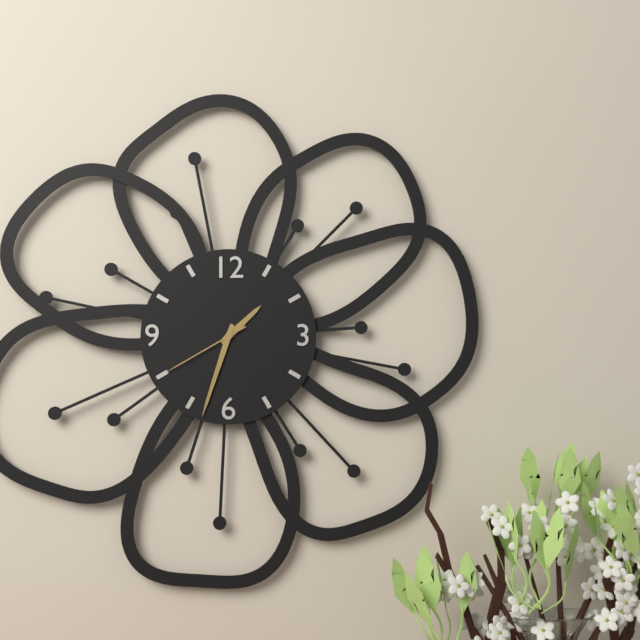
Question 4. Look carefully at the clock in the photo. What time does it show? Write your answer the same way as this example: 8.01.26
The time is 1.33.40
